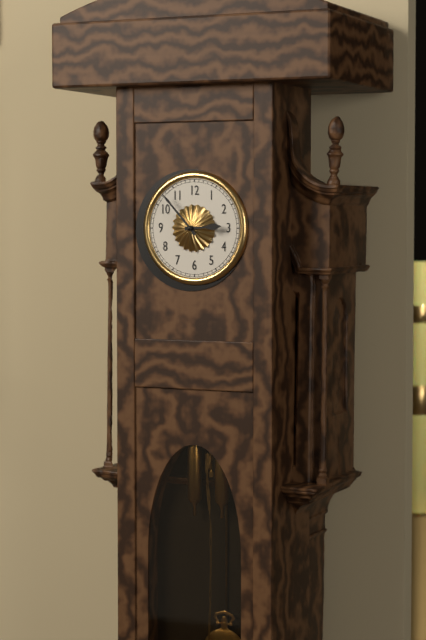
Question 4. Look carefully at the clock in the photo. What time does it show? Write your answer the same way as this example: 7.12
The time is 2.53
